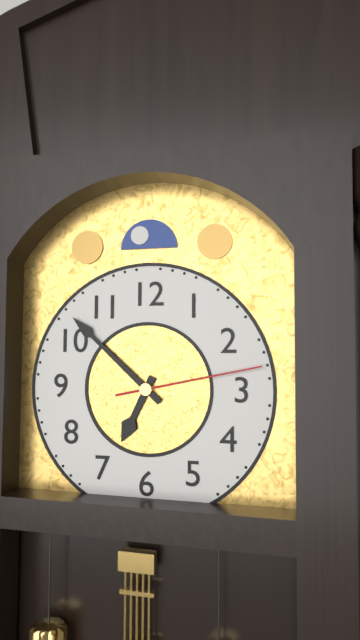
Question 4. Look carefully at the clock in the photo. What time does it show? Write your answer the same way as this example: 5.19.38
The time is 6.52.13
